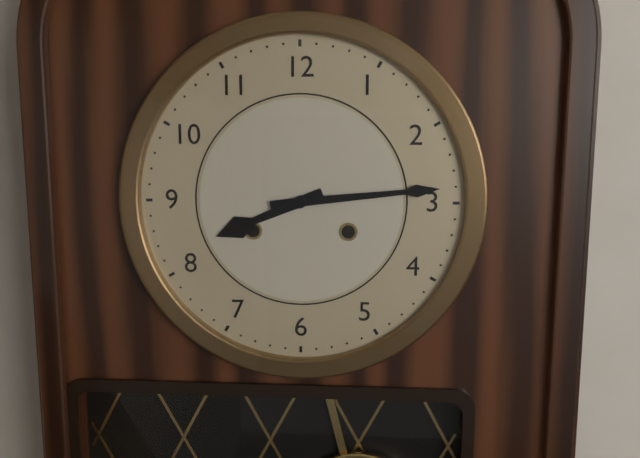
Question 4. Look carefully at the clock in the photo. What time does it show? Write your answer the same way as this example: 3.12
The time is 8.14
